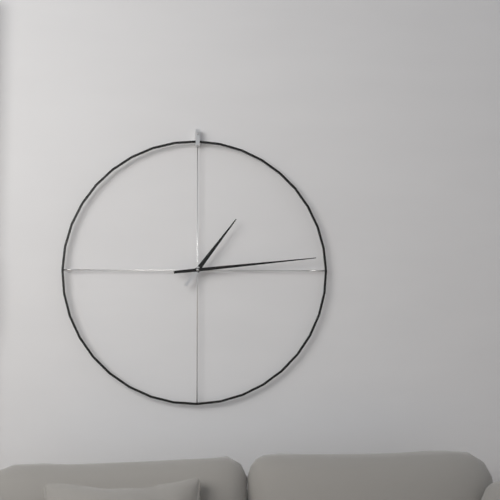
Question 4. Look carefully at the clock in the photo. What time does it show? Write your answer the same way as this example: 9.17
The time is 1.14
